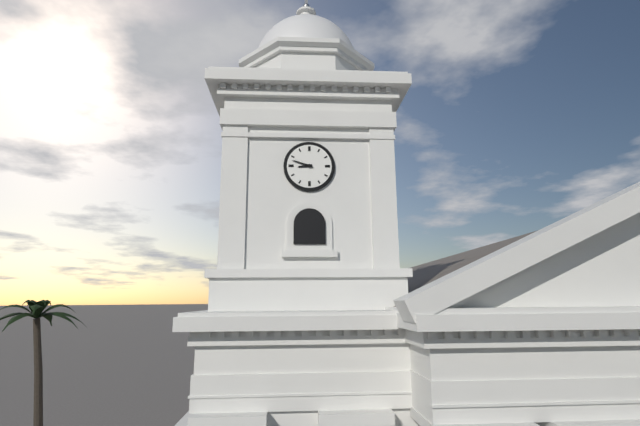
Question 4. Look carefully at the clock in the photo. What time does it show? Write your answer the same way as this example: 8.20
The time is 8.48
